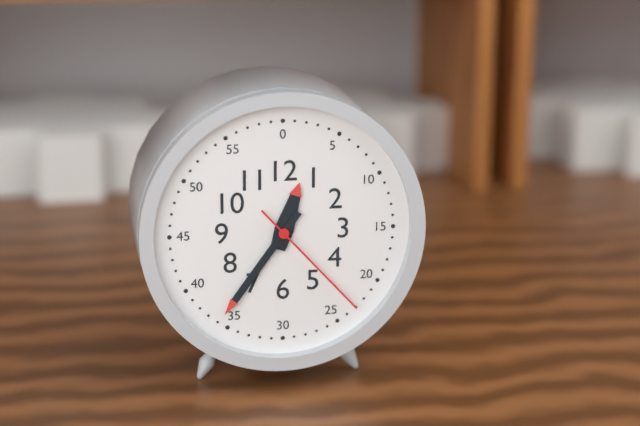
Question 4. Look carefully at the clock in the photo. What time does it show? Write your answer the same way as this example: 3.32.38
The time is 12.36.23
